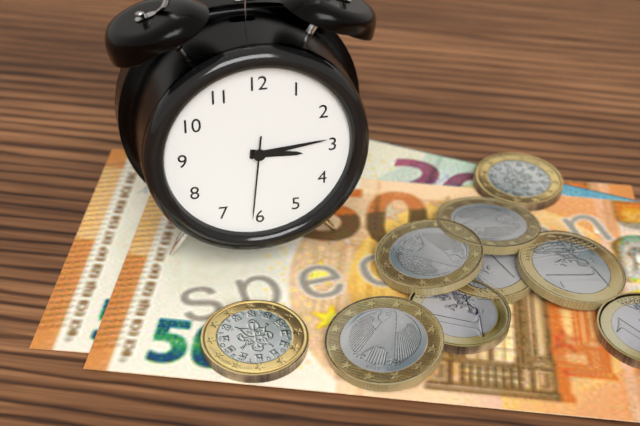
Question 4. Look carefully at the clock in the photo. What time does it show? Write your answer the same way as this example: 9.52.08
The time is 3.14.31
